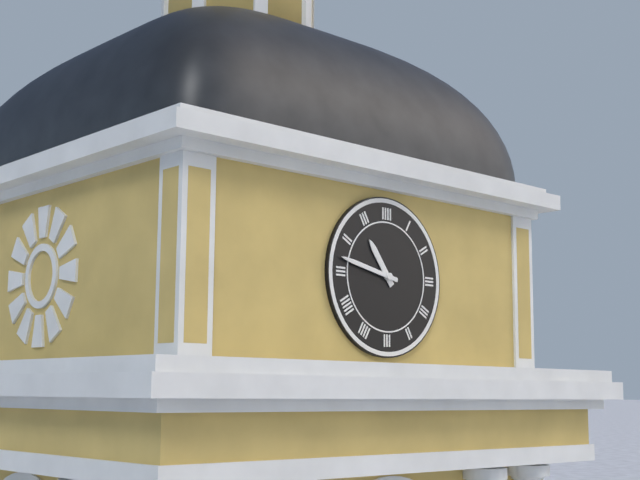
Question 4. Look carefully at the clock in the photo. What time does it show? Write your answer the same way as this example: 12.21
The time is 10.47
